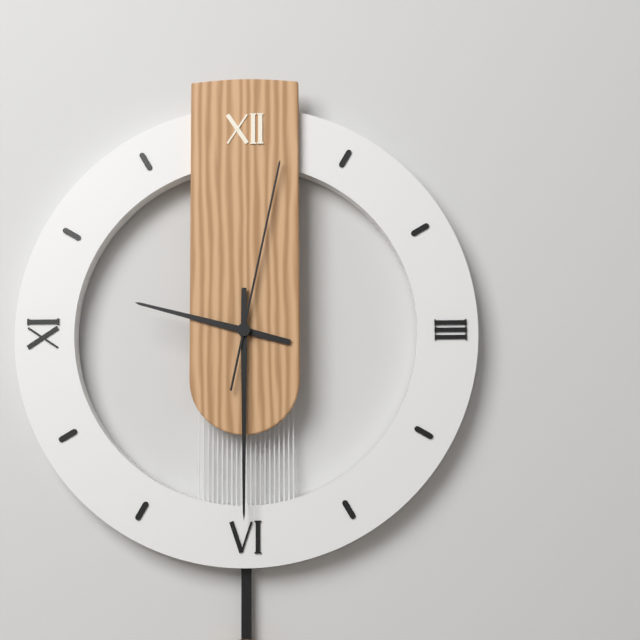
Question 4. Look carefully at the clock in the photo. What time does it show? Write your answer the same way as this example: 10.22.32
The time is 9.30.02
